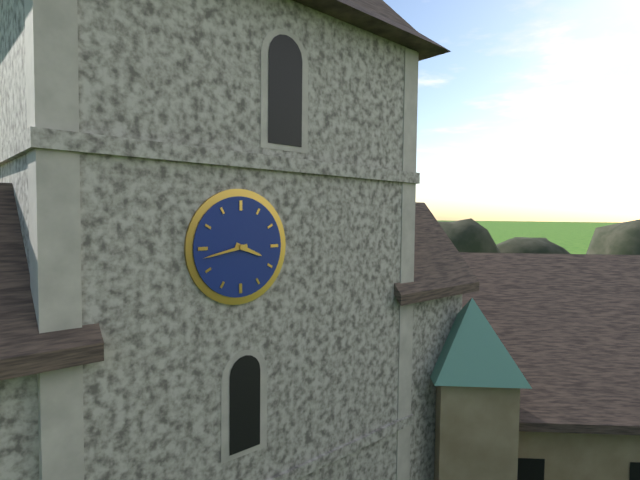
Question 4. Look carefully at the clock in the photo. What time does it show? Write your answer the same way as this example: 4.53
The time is 3.43
